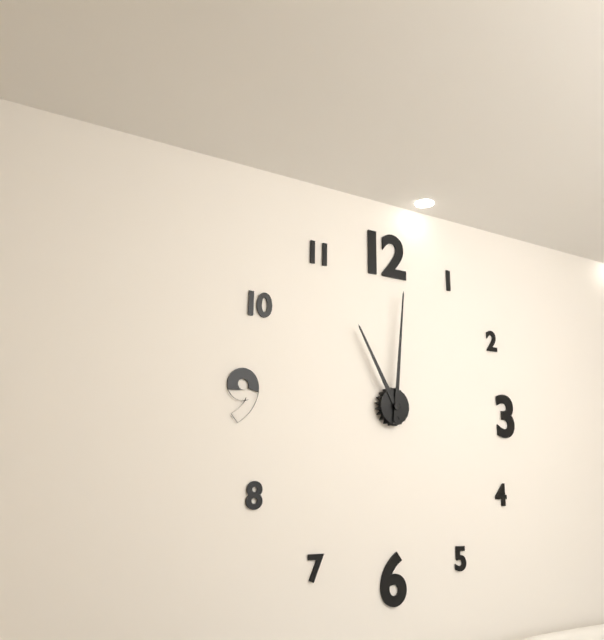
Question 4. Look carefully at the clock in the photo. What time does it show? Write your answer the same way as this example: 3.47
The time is 11.01
